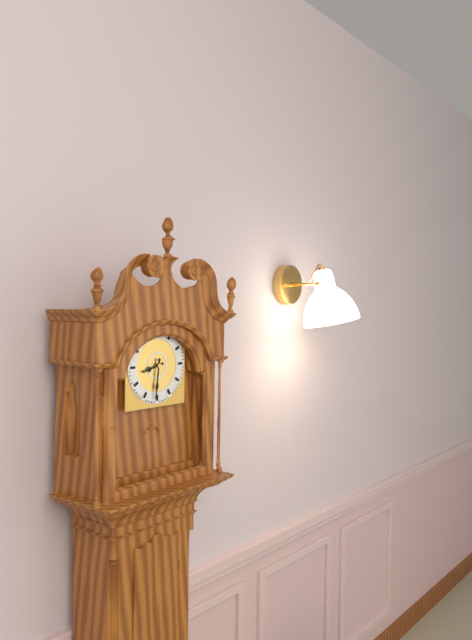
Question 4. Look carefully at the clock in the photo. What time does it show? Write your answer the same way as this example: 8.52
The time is 8.31
